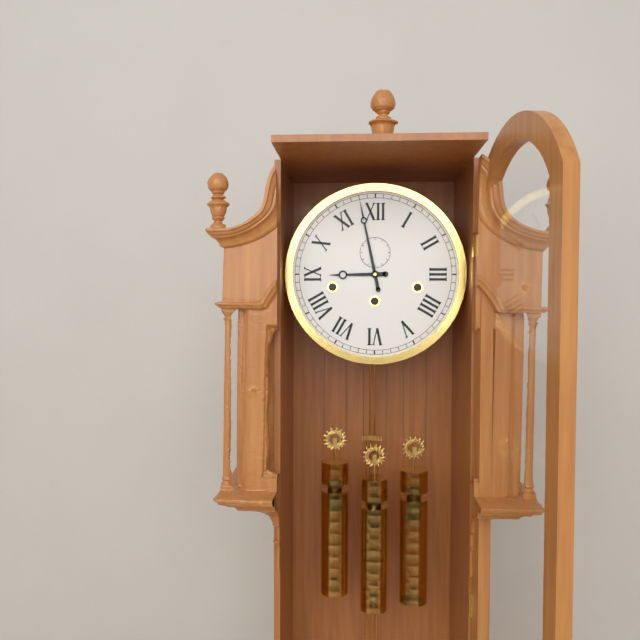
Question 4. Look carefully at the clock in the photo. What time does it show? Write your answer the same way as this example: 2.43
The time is 8.58
